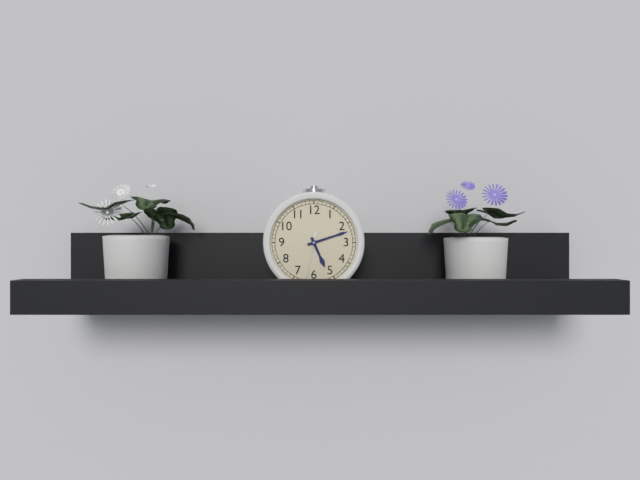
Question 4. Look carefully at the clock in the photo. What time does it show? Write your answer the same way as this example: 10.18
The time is 5.12
